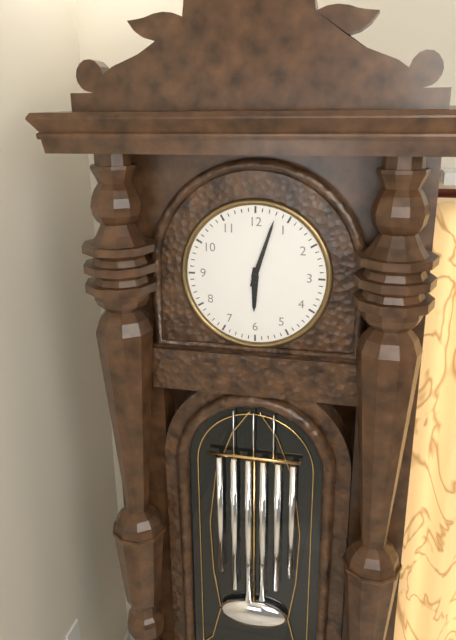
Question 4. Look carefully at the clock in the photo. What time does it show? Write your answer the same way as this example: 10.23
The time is 6.03
